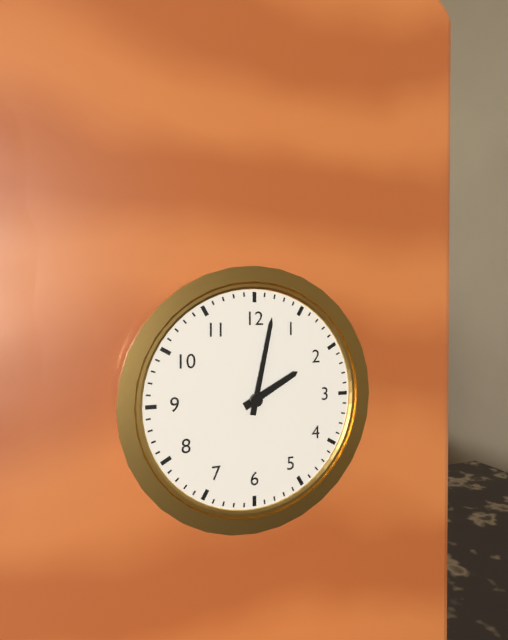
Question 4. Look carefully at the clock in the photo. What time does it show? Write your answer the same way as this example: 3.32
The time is 2.02
